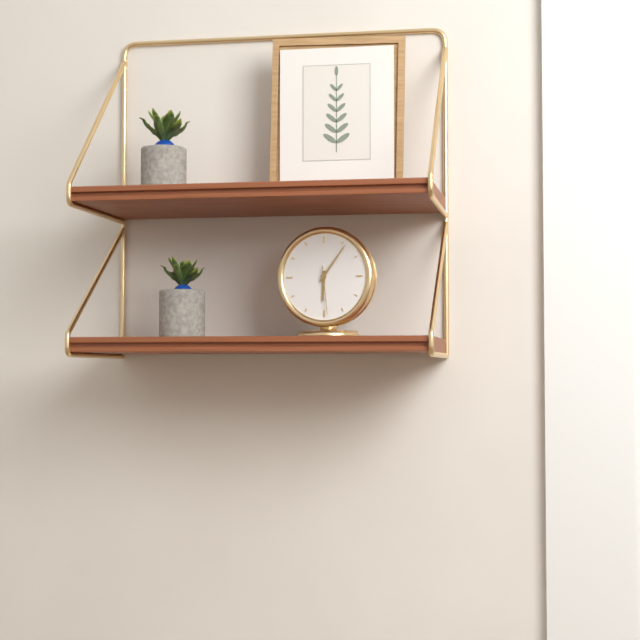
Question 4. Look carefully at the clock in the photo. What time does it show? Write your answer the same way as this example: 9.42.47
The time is 6.06.29
